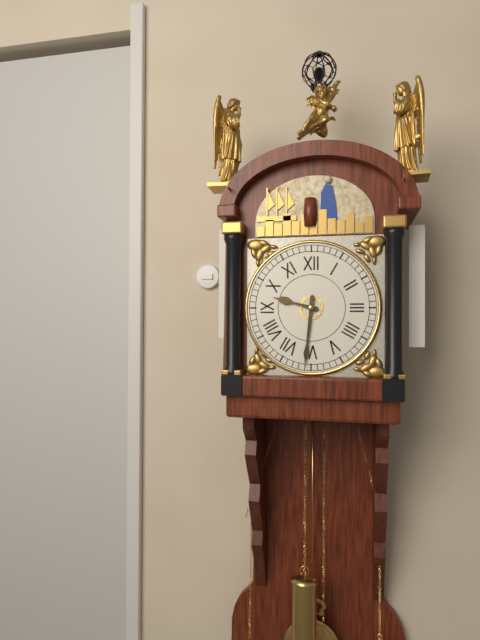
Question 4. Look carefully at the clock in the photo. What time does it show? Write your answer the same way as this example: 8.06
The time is 9.31
